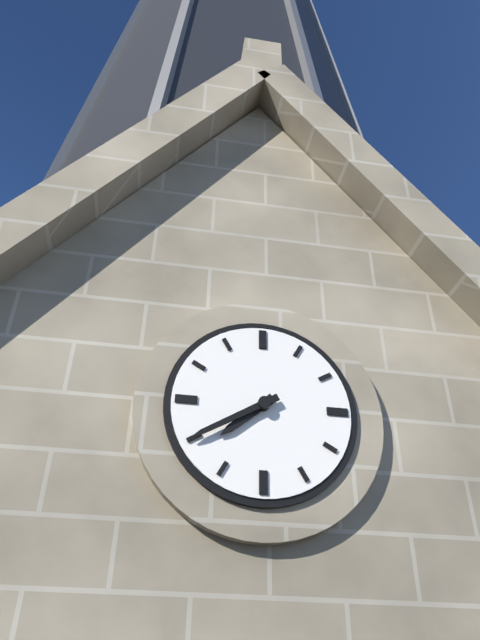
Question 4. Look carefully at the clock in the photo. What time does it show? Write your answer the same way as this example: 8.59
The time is 7.40
